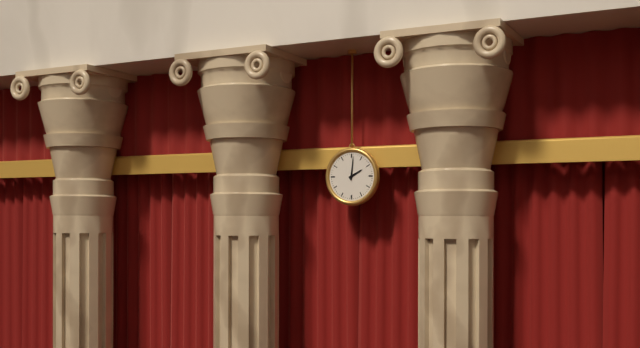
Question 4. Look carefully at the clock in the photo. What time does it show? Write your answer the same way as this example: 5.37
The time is 2.01
